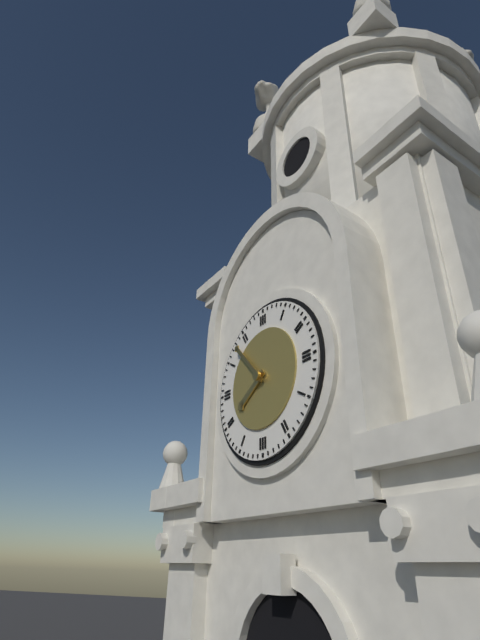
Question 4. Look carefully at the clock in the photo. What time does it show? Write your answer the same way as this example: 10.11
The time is 7.53
